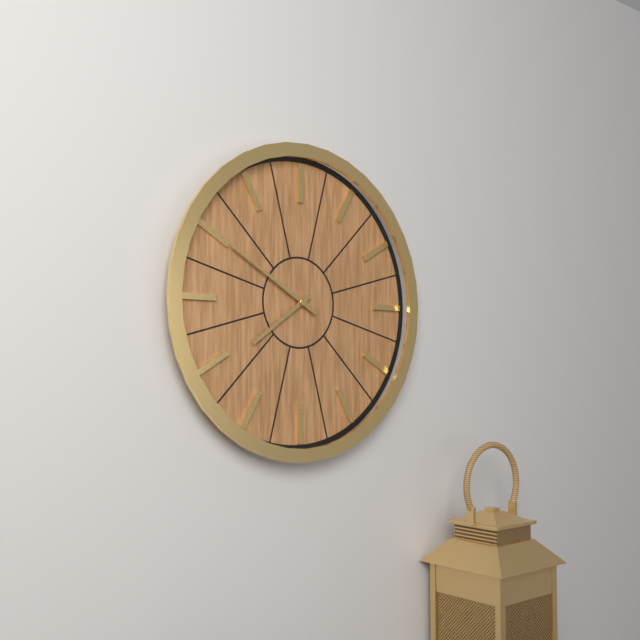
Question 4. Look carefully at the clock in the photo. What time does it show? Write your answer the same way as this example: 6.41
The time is 7.50
